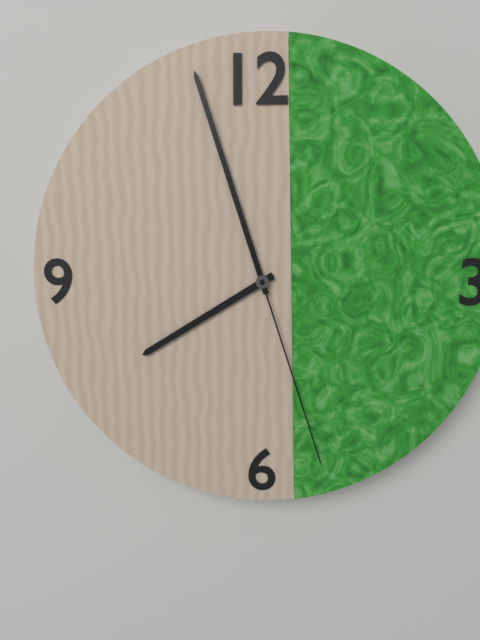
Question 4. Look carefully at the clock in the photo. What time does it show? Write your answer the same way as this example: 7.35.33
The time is 7.57.27
